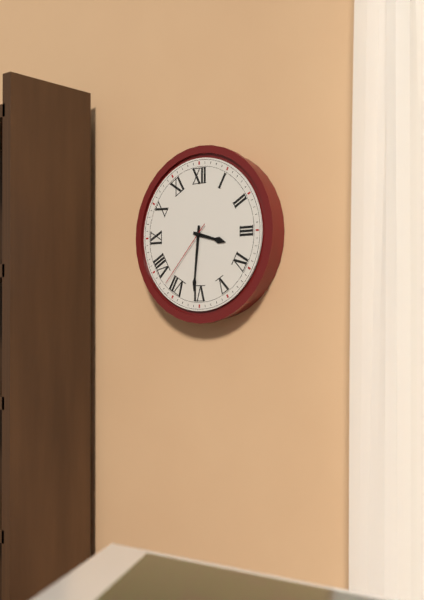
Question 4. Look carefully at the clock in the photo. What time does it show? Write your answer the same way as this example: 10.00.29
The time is 3.31.37
